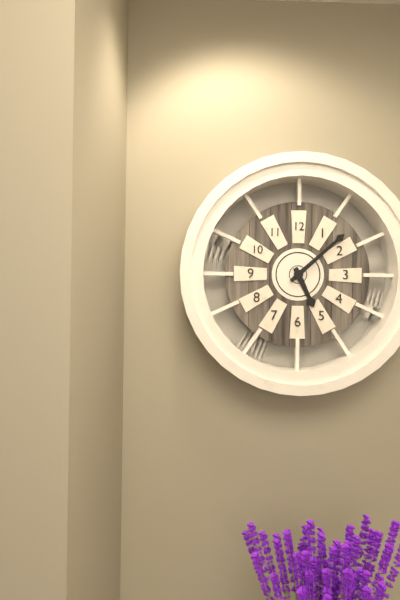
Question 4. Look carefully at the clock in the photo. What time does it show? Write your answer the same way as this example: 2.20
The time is 5.08
